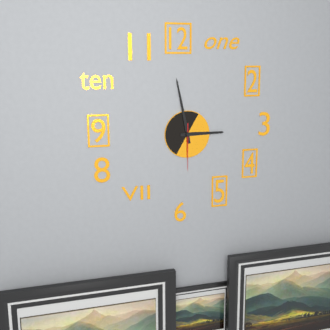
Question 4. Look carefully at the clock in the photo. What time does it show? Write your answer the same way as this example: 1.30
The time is 2.58
